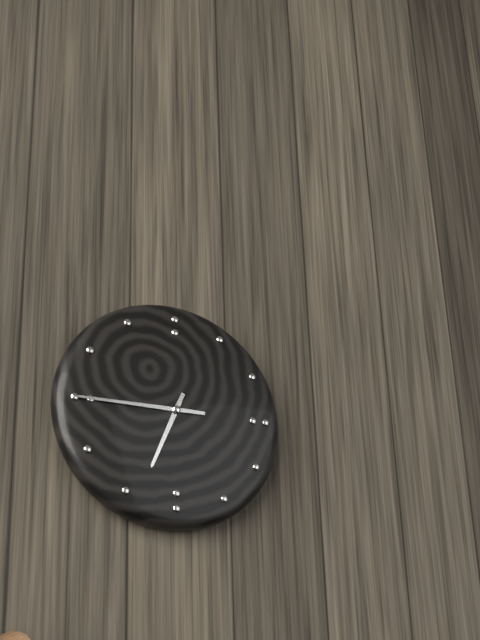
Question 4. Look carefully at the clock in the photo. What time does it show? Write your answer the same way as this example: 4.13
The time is 6.45
